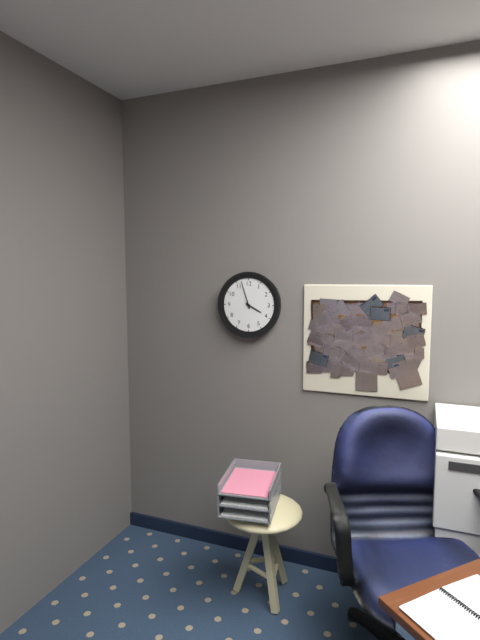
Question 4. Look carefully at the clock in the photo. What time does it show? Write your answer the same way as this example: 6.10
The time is 3.57
